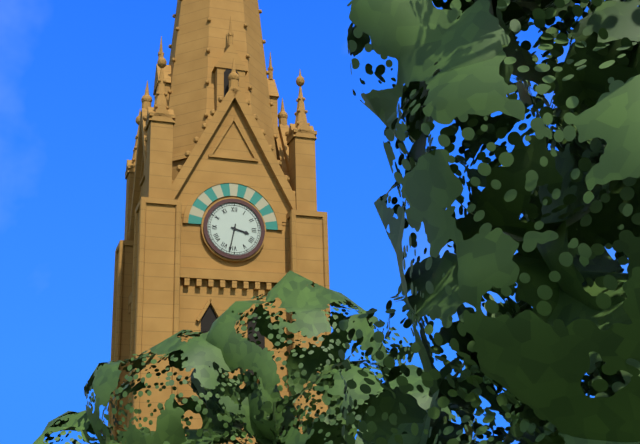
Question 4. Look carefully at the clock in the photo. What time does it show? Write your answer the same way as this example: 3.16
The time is 3.32
